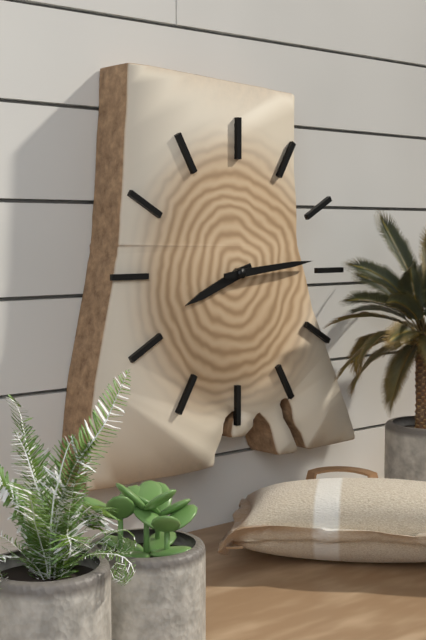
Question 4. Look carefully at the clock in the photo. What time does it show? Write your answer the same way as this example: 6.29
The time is 8.14
